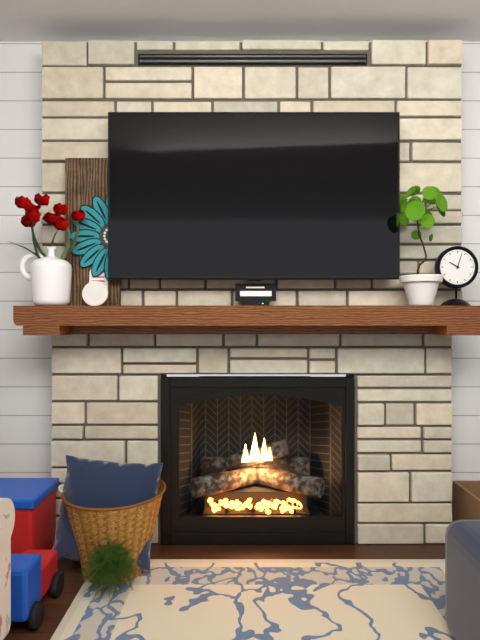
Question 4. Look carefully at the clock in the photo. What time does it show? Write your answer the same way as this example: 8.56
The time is 10.03
